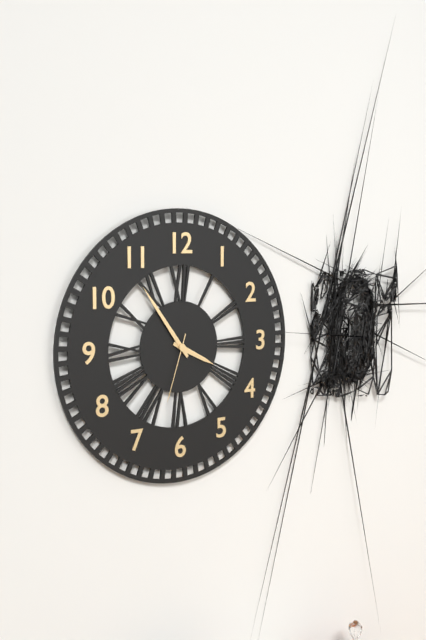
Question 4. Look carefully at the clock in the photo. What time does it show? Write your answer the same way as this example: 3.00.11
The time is 3.54.33
